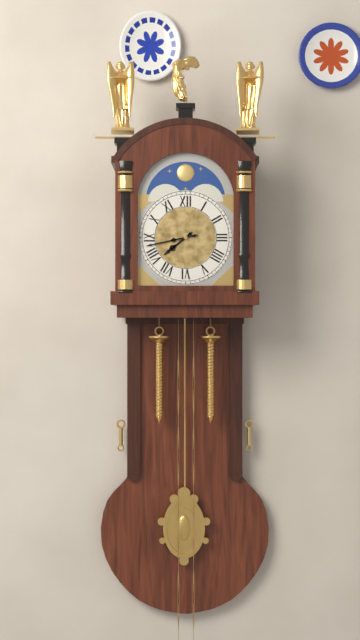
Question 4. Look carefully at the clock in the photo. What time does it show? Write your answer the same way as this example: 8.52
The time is 7.43
